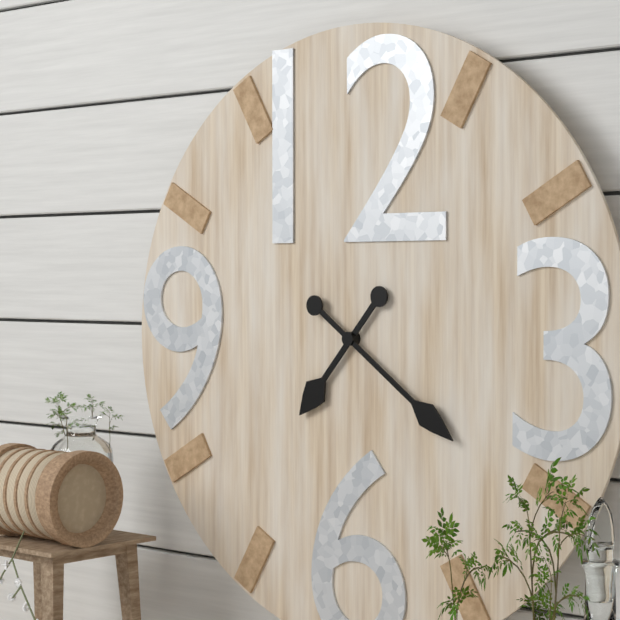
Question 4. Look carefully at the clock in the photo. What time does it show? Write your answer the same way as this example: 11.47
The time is 7.21
